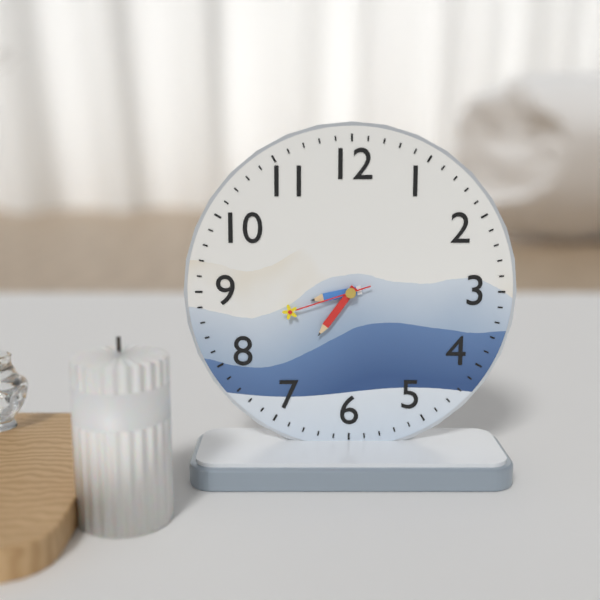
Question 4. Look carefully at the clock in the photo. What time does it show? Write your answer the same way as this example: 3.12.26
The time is 8.36.42
